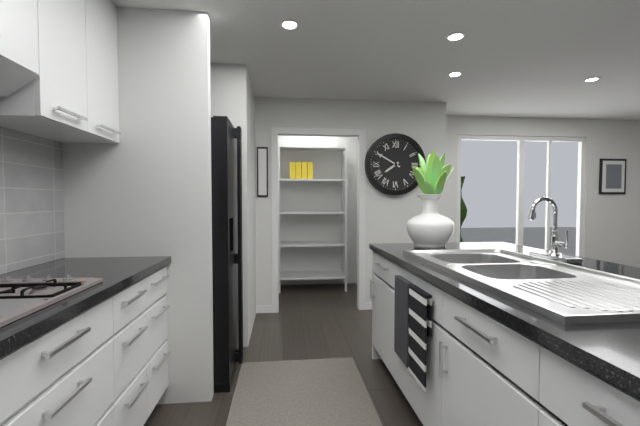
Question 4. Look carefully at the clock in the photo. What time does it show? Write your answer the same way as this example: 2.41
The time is 7.50
